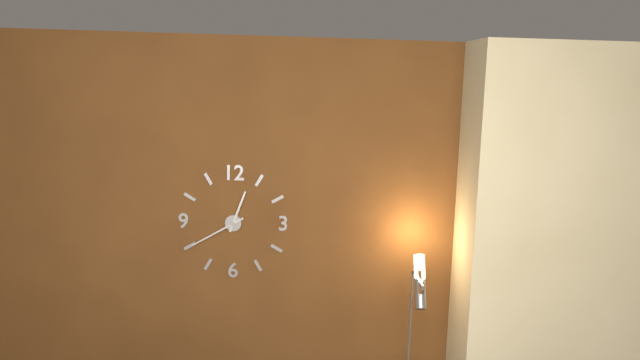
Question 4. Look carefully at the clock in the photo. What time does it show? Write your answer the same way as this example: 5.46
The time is 12.40
